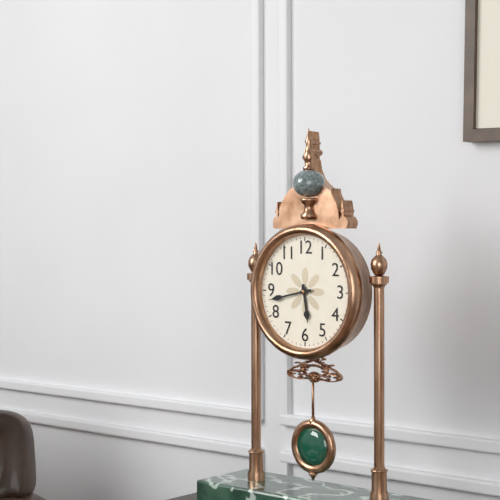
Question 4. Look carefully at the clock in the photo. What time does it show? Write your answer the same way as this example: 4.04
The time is 5.43
